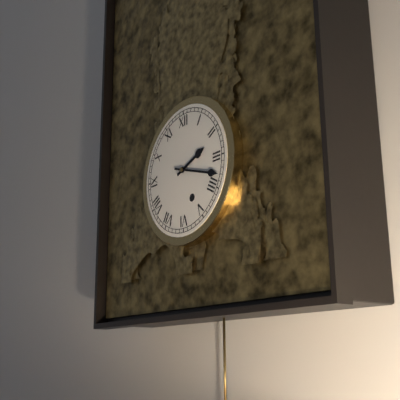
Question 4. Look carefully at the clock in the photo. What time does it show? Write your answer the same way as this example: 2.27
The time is 2.18
